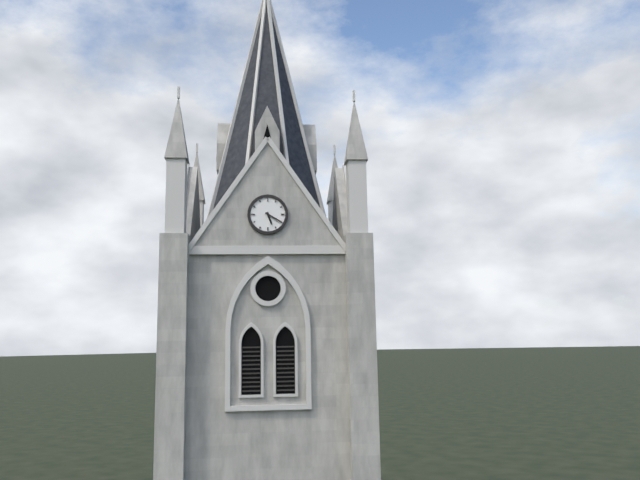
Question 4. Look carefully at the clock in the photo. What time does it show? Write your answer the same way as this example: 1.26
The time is 5.20
